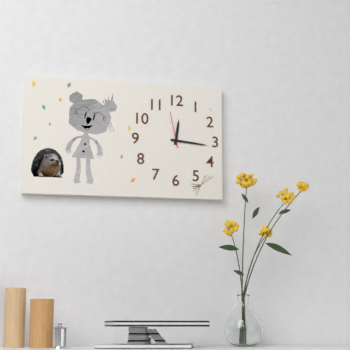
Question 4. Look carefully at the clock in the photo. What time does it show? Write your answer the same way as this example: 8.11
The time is 12.16
